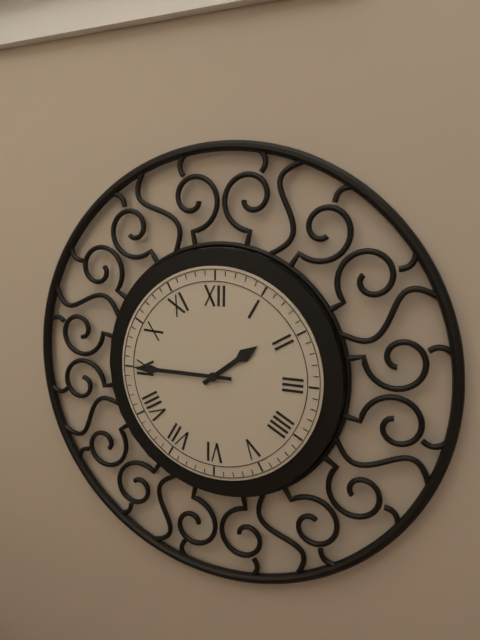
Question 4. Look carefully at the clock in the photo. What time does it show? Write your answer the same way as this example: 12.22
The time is 1.45
